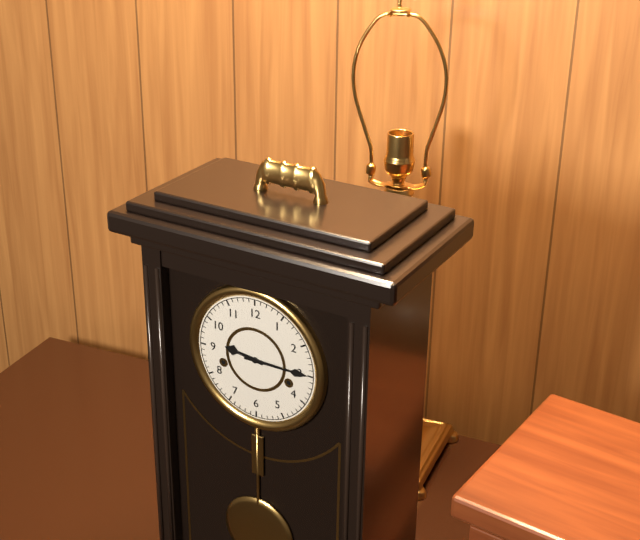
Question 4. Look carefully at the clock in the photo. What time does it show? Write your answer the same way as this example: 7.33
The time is 9.15
